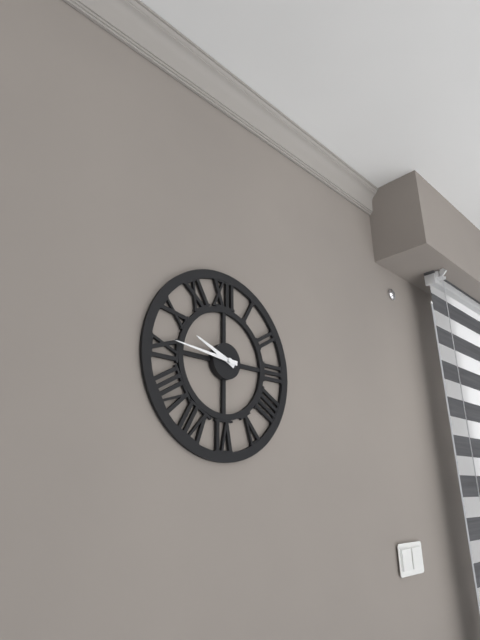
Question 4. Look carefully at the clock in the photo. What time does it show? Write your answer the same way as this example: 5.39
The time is 9.46
